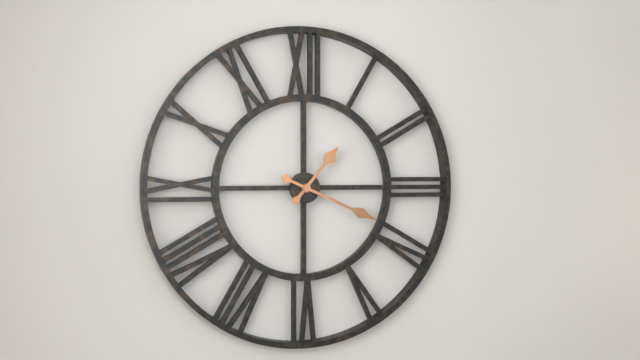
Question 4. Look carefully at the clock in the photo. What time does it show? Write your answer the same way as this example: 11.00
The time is 1.19
